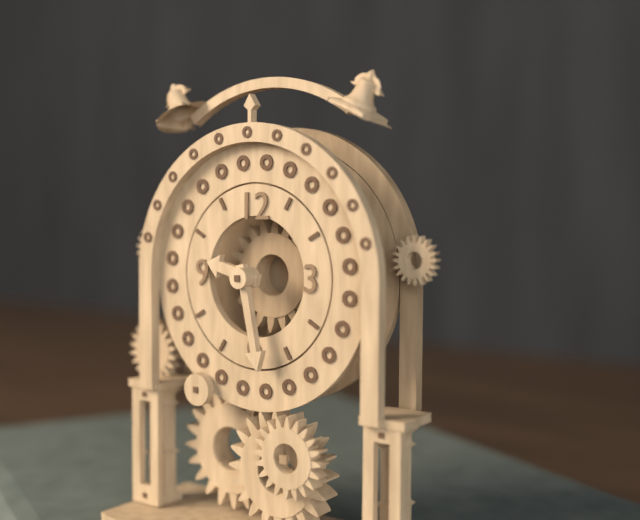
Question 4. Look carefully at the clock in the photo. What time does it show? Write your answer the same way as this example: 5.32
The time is 9.28
